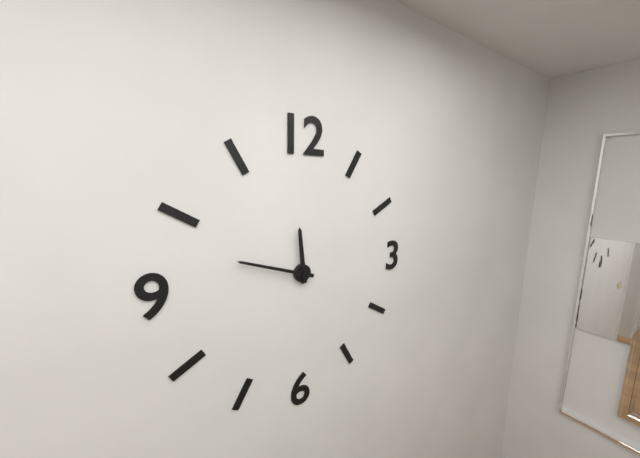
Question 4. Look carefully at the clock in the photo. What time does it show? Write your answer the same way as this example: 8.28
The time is 11.48
